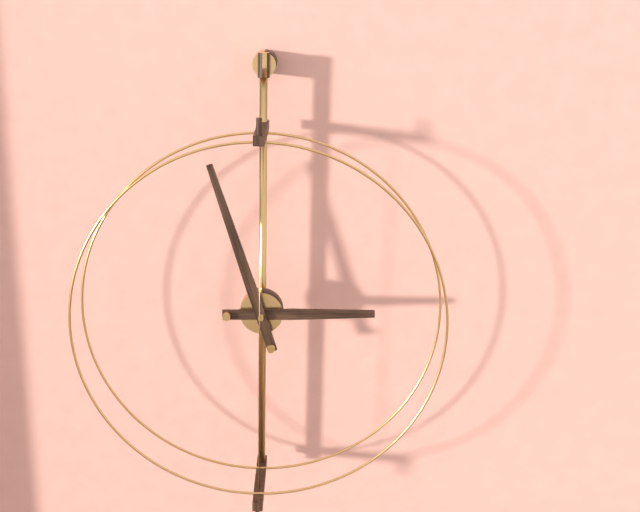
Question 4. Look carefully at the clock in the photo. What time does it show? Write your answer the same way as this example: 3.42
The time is 2.57
